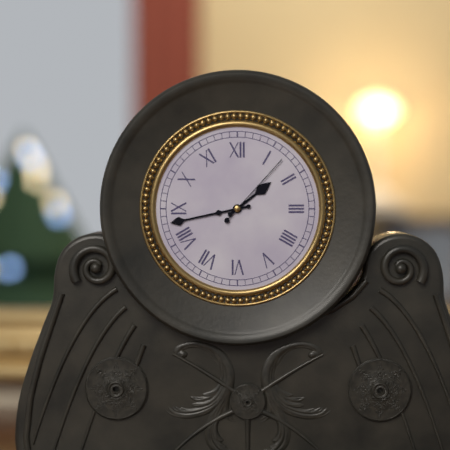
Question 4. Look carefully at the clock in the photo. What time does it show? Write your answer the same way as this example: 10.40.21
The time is 1.43.07
